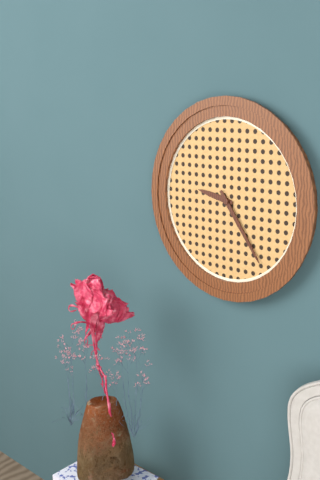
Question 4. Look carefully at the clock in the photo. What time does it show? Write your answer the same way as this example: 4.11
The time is 9.24
